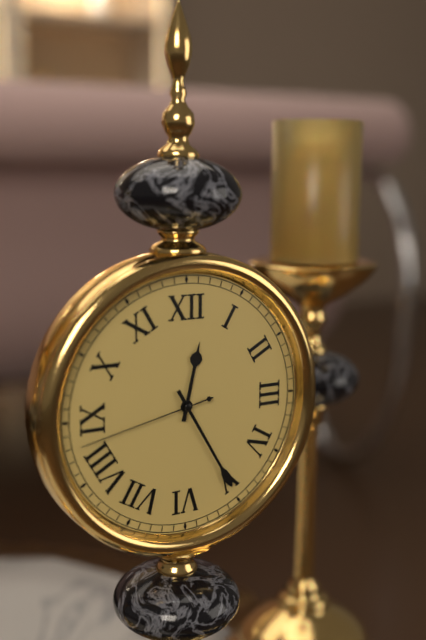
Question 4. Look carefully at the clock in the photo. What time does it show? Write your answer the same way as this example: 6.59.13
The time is 12.25.43
